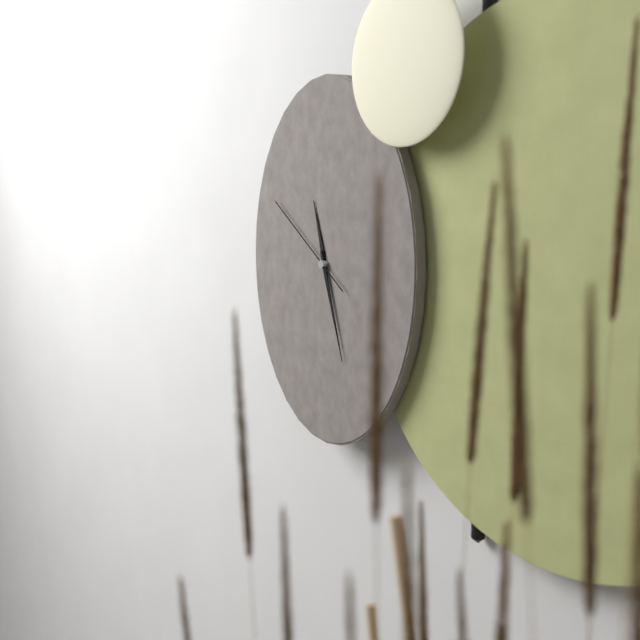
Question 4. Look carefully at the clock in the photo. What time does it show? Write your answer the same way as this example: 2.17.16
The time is 11.27.51
